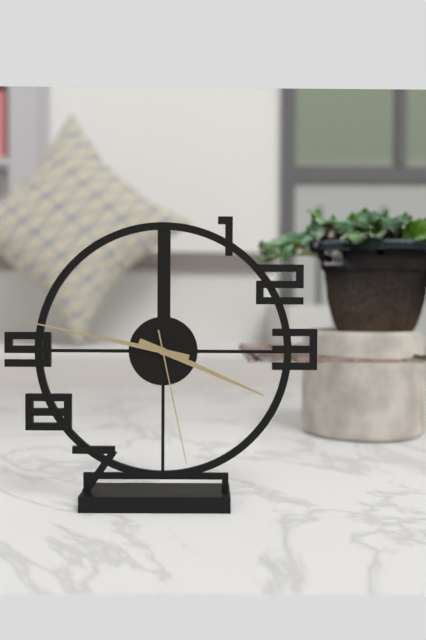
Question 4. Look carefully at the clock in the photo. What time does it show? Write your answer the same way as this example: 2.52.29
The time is 3.47.28
